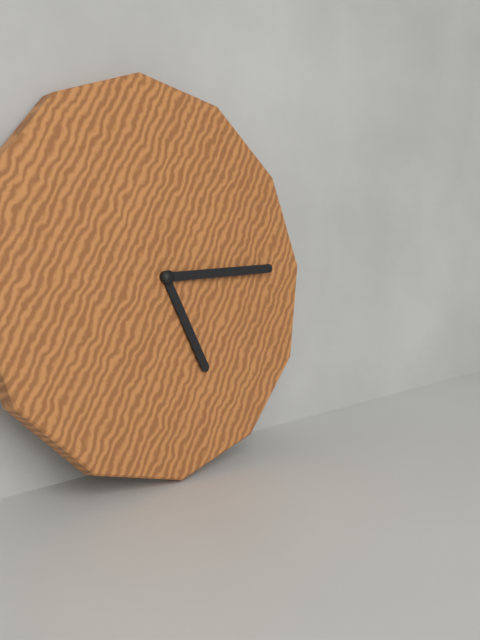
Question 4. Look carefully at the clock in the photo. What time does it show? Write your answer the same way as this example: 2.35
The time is 5.15
